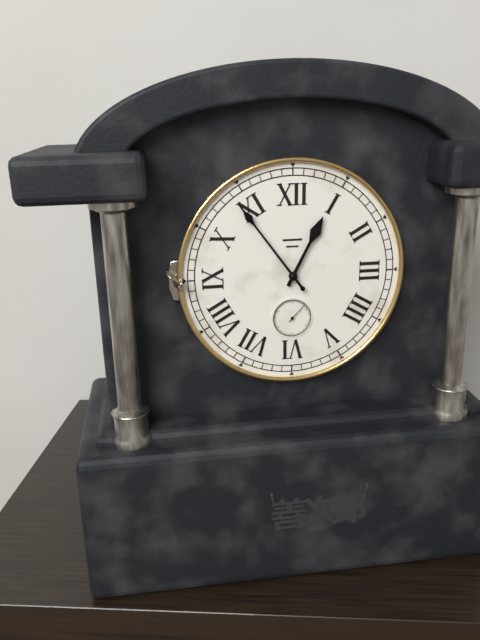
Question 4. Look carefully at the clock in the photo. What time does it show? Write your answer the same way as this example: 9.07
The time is 12.54
